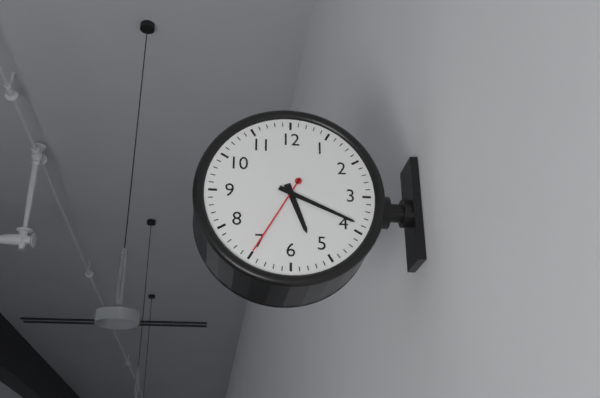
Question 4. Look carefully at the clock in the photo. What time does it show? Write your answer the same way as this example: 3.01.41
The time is 5.19.35
